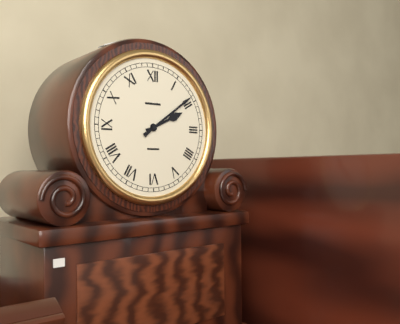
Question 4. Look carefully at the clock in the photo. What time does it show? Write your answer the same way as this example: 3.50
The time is 2.09
